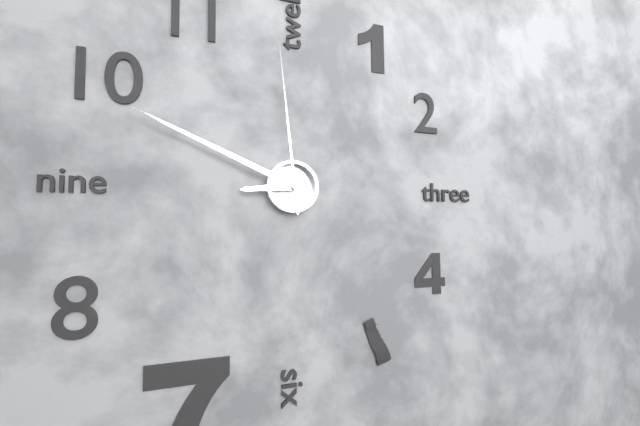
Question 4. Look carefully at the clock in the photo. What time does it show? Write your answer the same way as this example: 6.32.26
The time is 8.49.59
